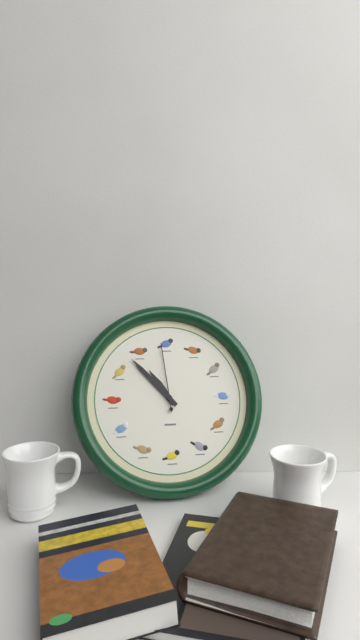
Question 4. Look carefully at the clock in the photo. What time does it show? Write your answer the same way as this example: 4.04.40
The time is 10.53.59
